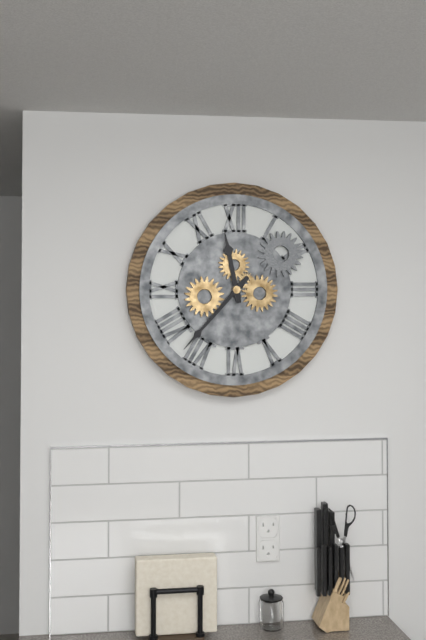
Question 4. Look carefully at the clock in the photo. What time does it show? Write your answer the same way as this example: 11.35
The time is 11.37
